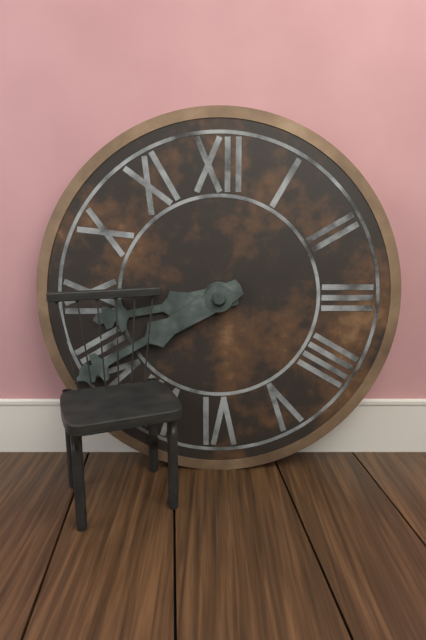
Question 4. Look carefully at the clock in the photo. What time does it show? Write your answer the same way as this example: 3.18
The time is 8.40
